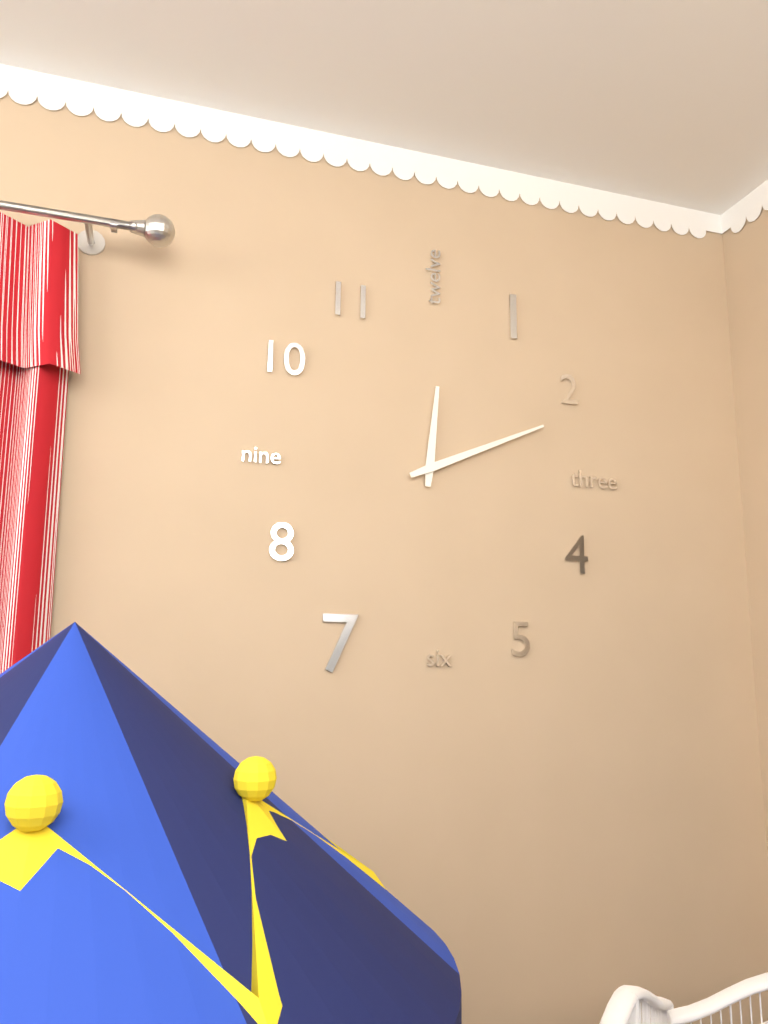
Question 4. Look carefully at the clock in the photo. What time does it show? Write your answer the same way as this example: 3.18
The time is 12.11
